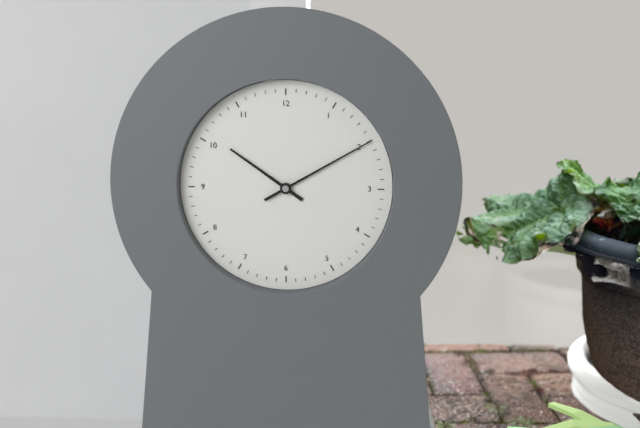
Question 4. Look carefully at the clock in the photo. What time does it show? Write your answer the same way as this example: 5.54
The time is 10.10
